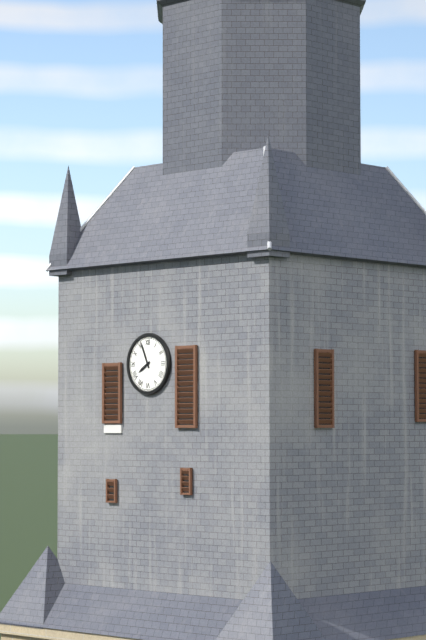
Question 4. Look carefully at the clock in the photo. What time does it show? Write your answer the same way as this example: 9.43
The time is 7.56
